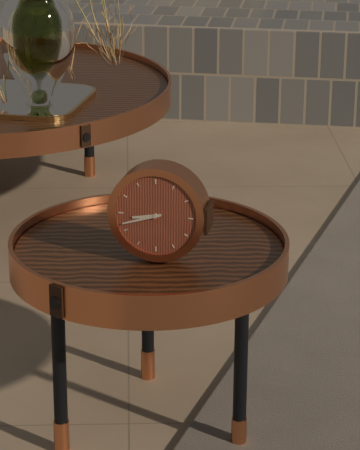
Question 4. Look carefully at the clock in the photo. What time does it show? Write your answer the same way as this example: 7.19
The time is 8.42
